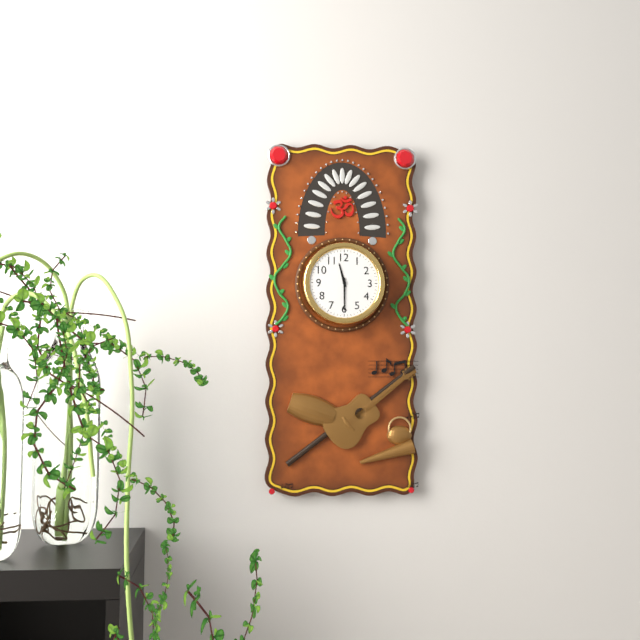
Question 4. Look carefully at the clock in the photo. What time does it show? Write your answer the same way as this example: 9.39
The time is 11.30
